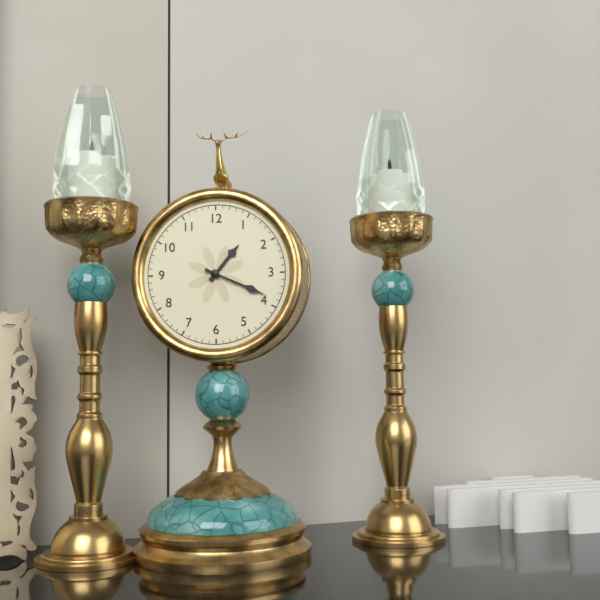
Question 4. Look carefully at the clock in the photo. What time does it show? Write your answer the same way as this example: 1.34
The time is 1.19
